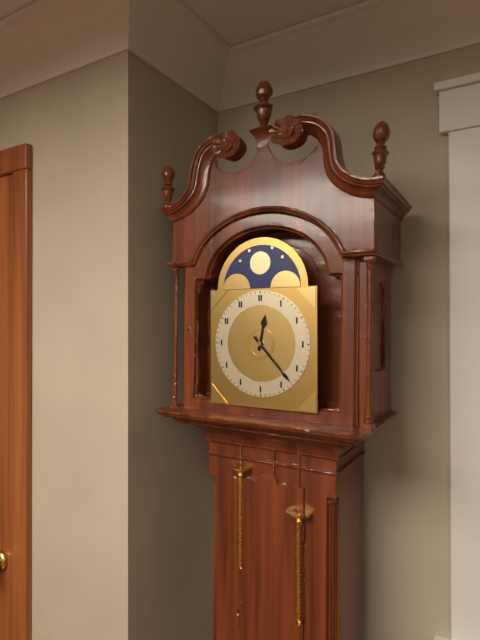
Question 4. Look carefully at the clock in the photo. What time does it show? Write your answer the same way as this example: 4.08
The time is 12.23
